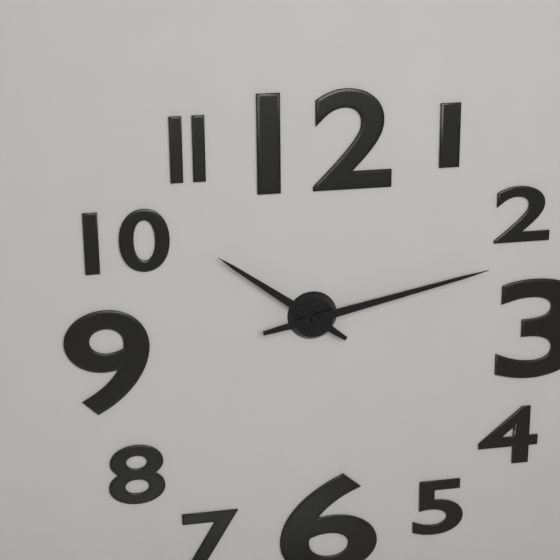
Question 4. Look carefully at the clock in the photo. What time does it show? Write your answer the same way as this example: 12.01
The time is 10.13
